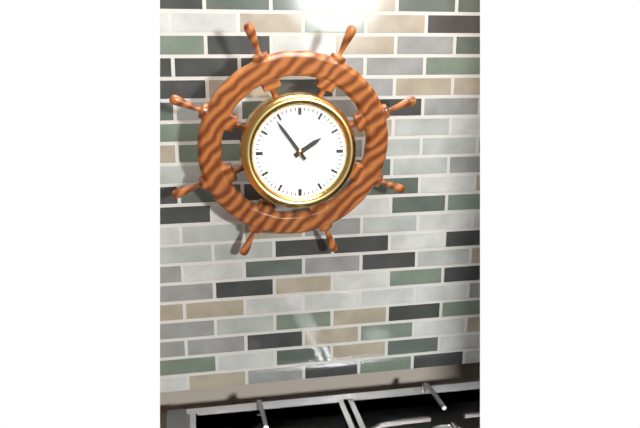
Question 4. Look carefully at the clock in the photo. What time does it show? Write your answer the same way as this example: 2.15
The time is 1.54
